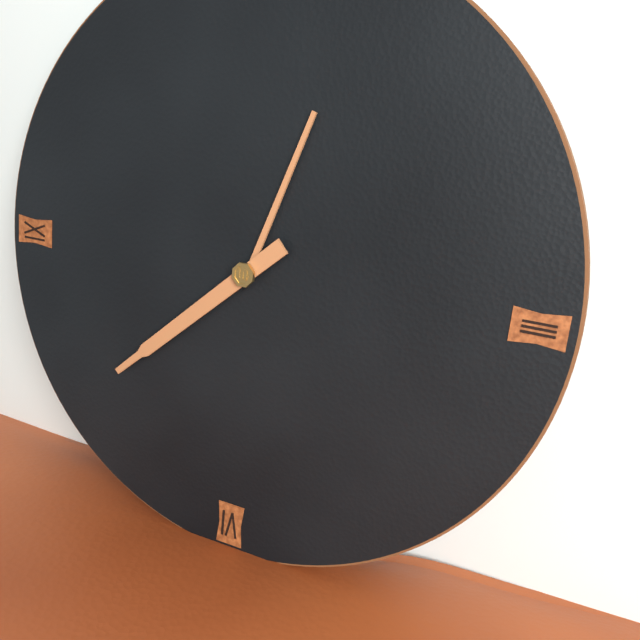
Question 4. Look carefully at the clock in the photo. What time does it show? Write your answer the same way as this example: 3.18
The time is 12.38
